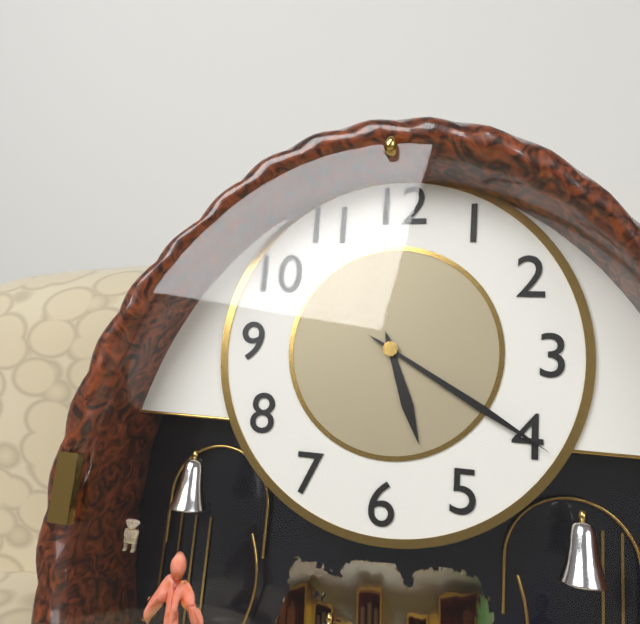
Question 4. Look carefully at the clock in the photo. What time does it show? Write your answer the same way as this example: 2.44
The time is 5.20
